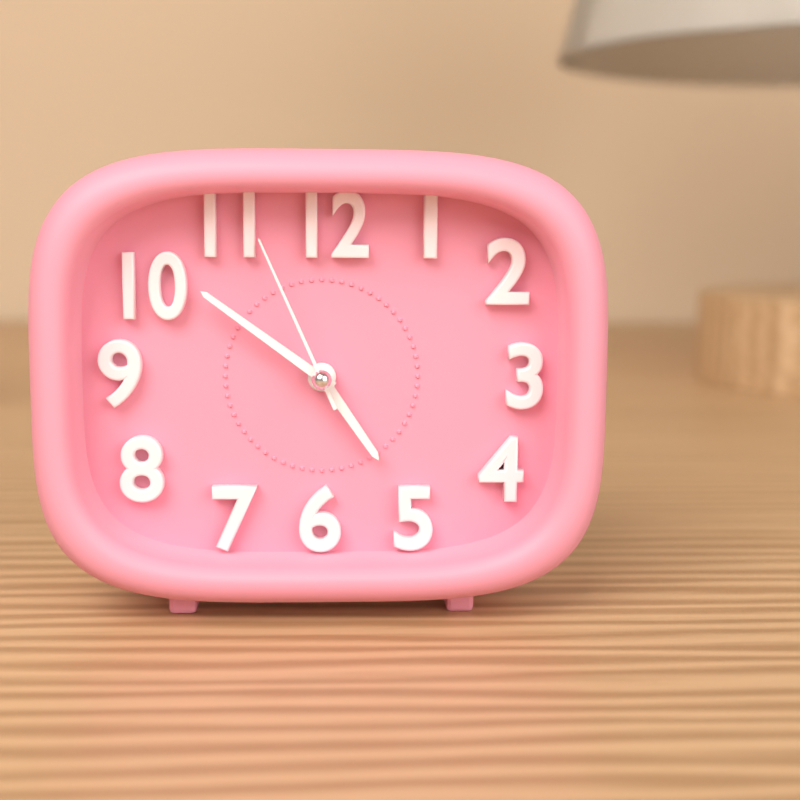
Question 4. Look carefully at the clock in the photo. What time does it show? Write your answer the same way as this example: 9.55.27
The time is 4.51.56
